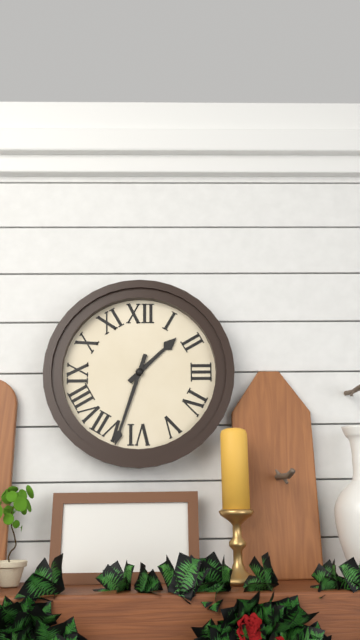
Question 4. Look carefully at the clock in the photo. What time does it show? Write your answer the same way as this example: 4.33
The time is 1.33
